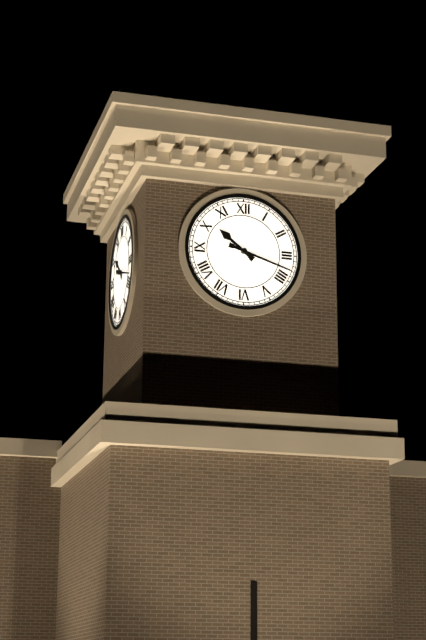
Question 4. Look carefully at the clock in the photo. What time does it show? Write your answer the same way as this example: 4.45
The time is 10.18
